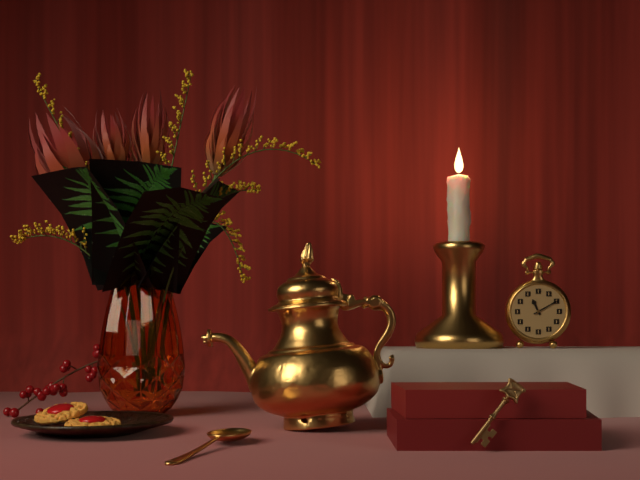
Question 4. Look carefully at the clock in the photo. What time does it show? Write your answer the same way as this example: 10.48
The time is 11.10
